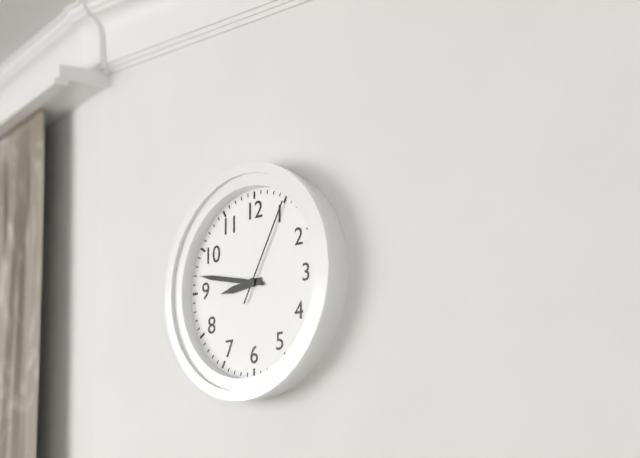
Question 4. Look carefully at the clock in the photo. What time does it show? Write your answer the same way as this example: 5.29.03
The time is 8.47.05
